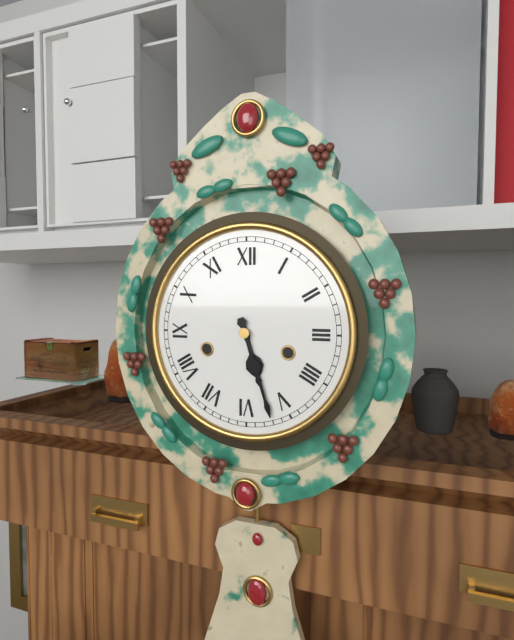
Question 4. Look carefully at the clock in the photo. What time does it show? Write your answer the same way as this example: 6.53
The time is 5.27
